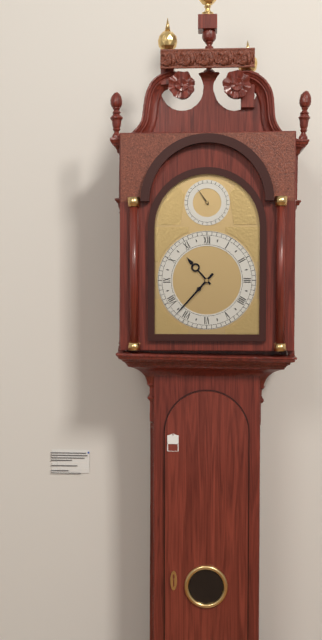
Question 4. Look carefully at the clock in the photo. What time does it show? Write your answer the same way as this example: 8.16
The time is 10.37
